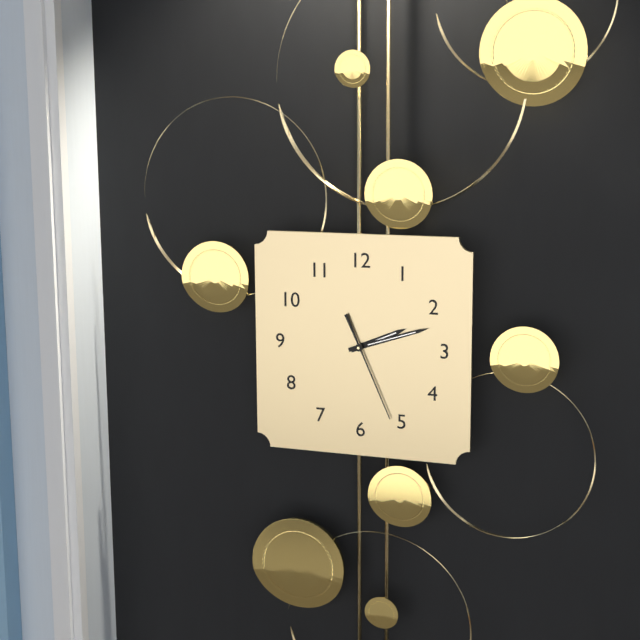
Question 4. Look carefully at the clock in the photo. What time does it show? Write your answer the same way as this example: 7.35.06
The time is 2.12.26
